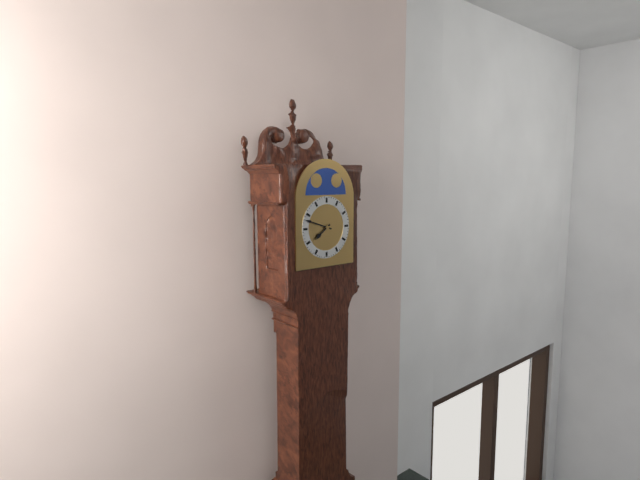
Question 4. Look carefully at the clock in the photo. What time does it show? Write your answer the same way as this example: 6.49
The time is 7.48
